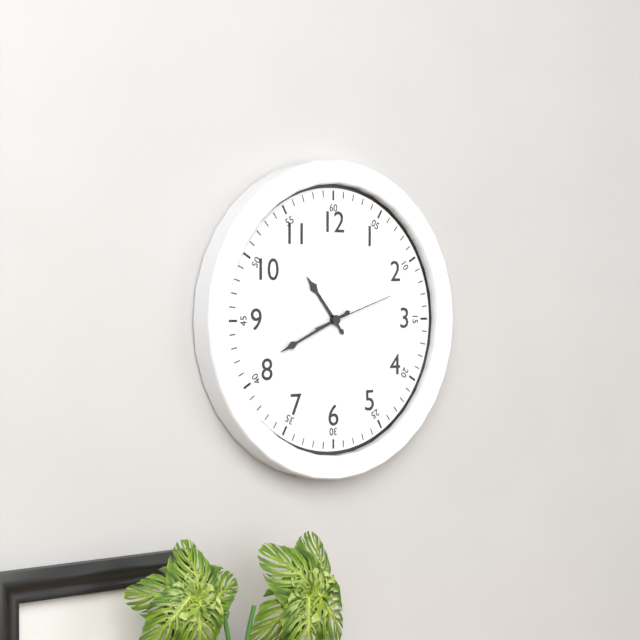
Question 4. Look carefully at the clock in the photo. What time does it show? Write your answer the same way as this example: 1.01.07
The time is 10.41.12
